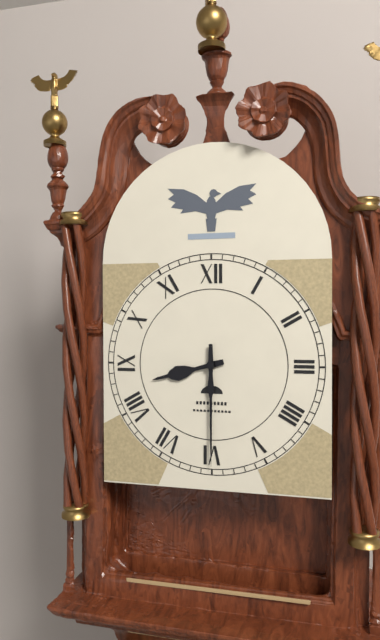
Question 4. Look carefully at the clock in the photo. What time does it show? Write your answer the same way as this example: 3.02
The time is 8.30
